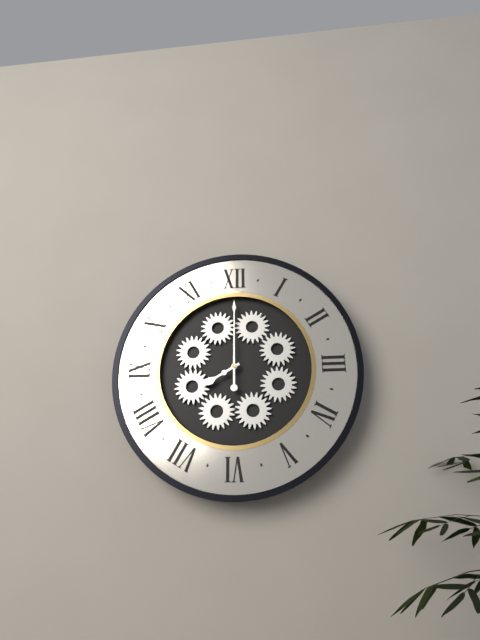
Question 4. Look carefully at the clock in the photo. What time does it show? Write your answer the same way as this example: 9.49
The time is 8.00
